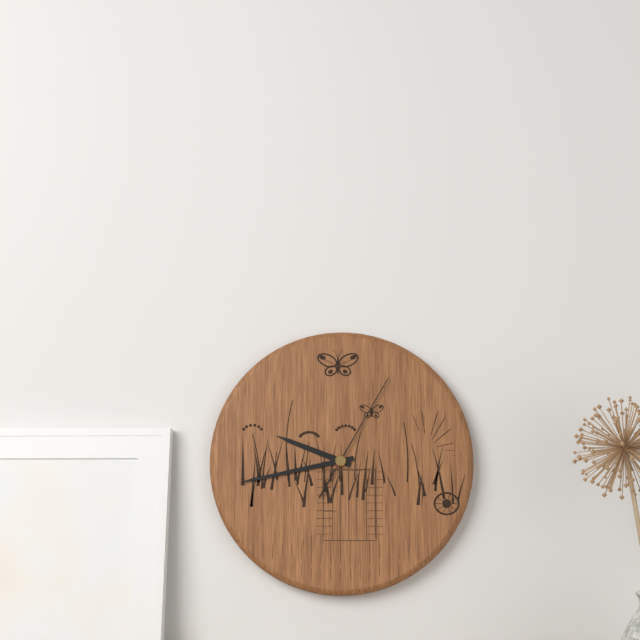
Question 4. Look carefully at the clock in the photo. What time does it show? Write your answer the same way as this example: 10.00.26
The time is 9.43.05
